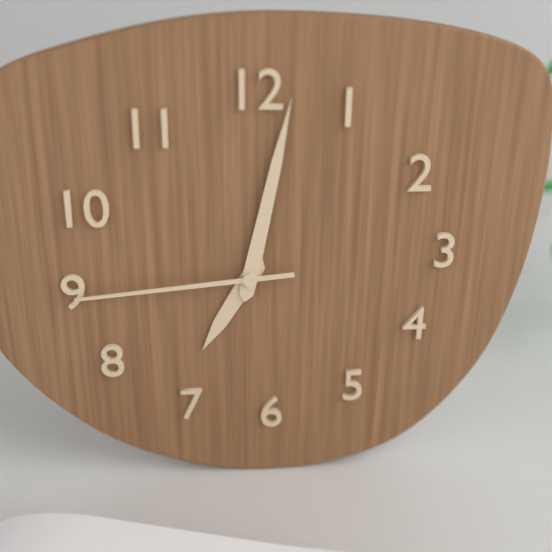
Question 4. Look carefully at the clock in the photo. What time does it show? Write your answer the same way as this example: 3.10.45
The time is 7.02.44
